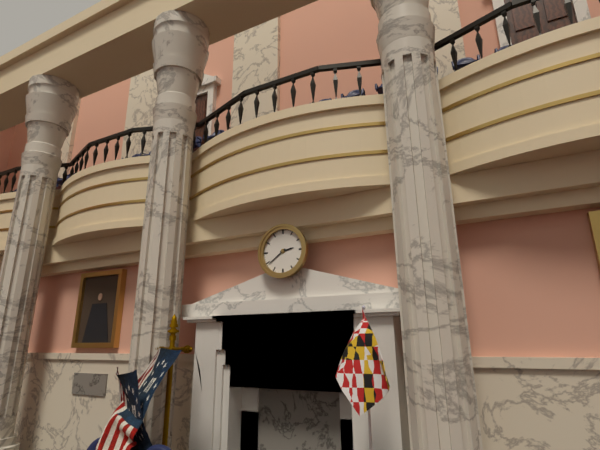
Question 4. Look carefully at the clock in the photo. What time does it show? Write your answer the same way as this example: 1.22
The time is 2.39
